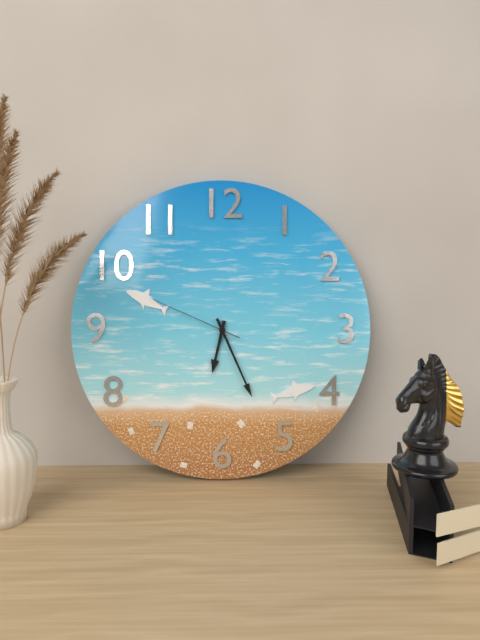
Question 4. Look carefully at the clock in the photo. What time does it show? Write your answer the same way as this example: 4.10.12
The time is 6.26.49
